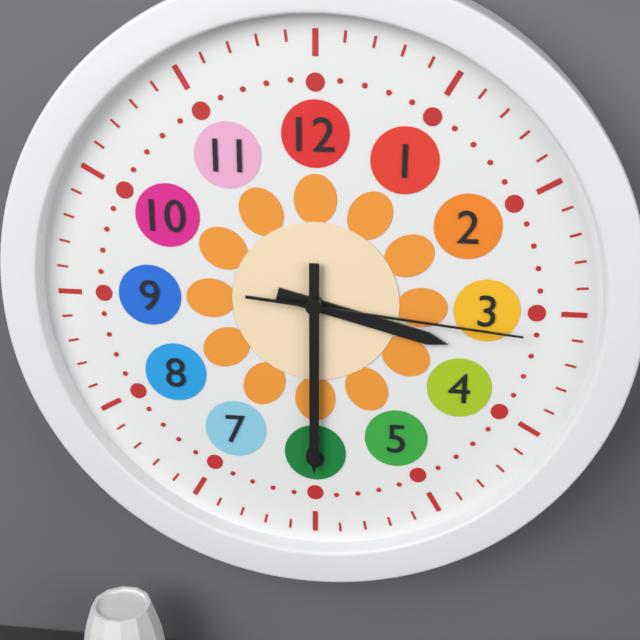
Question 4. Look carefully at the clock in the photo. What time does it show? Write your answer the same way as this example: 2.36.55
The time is 3.30.16
